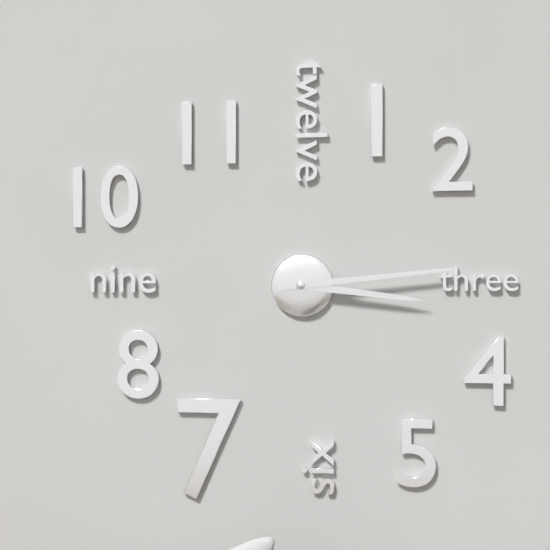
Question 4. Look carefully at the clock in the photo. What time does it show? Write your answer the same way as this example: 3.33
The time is 3.14
